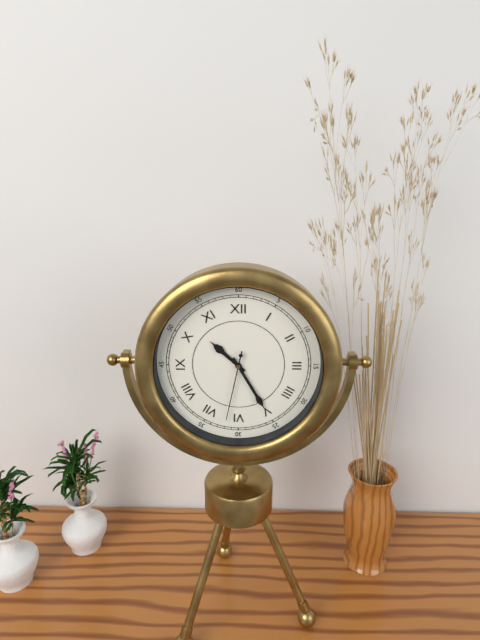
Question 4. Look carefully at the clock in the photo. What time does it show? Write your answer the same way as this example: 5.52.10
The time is 10.25.32
